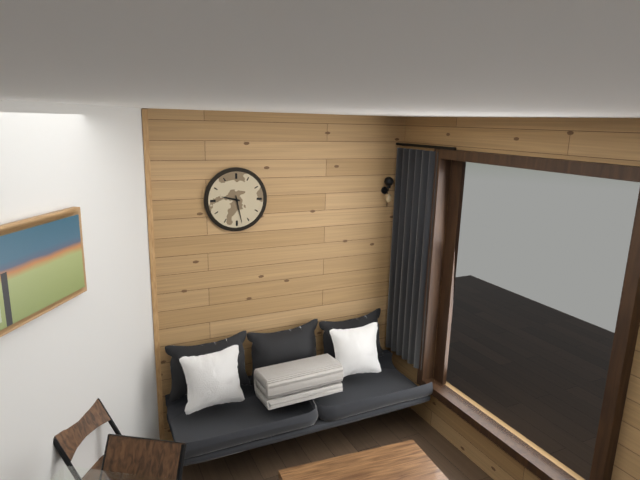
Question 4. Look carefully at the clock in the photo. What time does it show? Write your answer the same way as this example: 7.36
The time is 9.28
